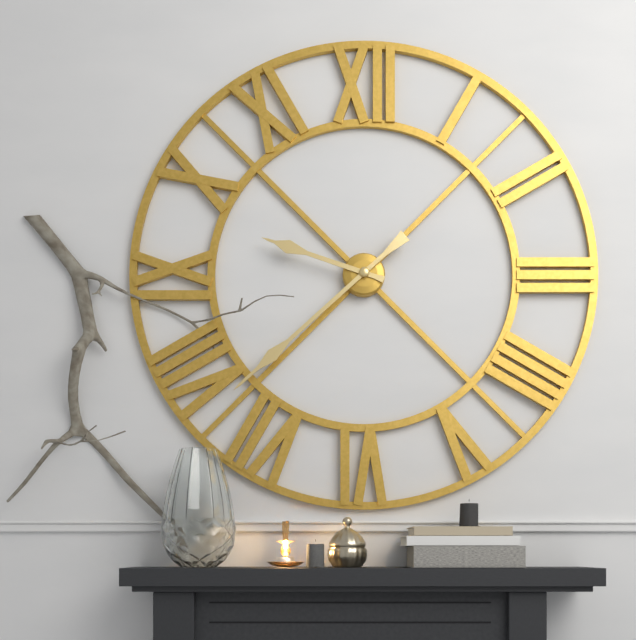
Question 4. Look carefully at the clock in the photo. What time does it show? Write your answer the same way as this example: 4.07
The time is 9.38
